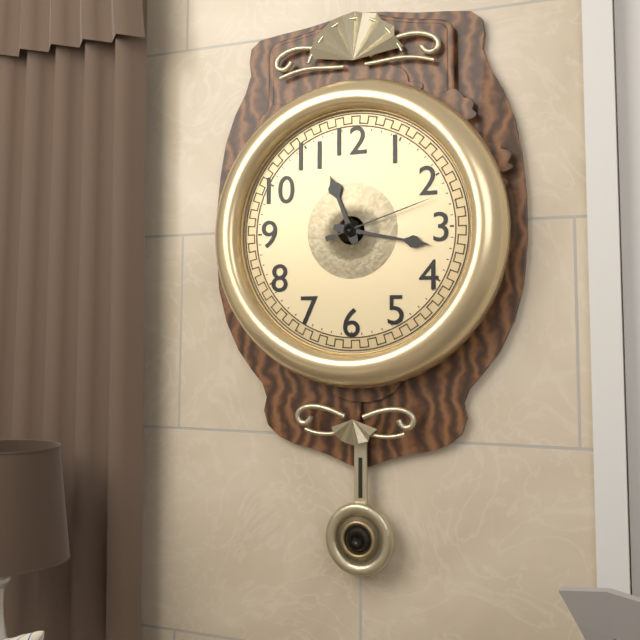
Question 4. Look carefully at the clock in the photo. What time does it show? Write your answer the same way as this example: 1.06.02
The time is 11.17.12
